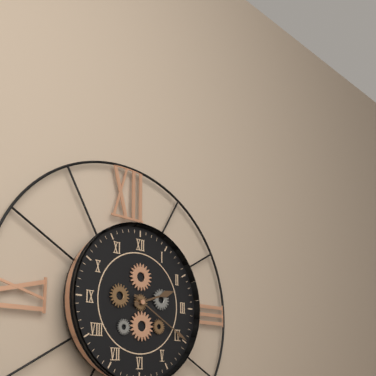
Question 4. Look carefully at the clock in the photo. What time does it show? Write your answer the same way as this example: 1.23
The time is 2.20
